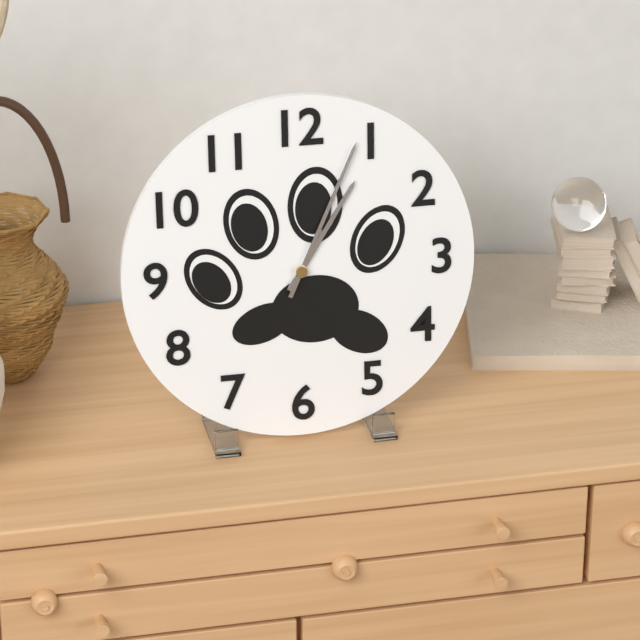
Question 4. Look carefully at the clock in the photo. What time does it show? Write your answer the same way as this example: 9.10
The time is 1.04
